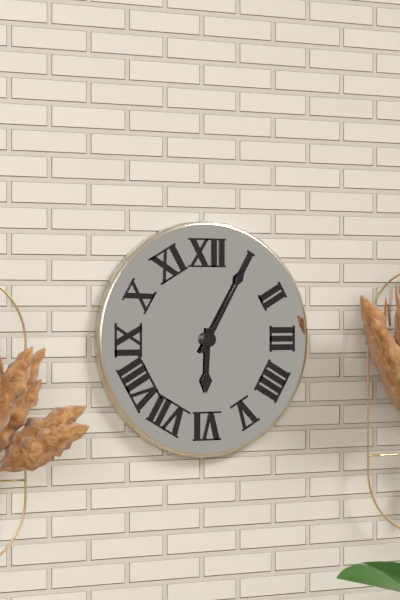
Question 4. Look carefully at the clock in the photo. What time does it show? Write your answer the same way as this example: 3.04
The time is 6.05
